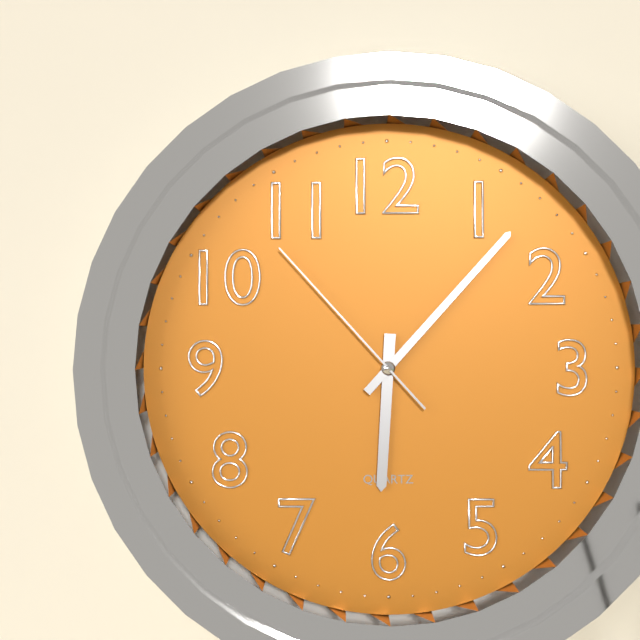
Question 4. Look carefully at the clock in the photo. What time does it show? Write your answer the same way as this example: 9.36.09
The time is 6.07.53
